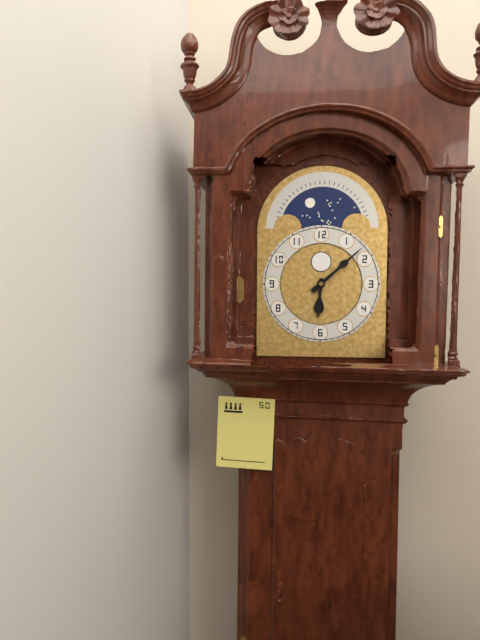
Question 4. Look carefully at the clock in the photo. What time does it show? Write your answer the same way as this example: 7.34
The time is 6.08
